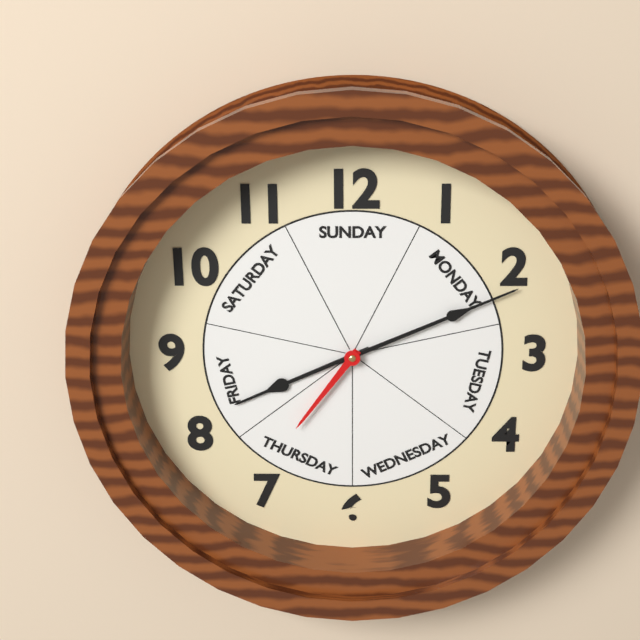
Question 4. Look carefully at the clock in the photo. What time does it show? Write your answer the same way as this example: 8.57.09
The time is 8.11.36
